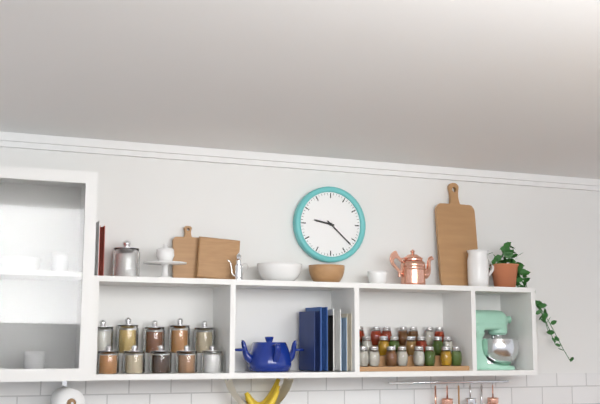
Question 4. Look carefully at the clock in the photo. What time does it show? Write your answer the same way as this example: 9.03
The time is 9.22
